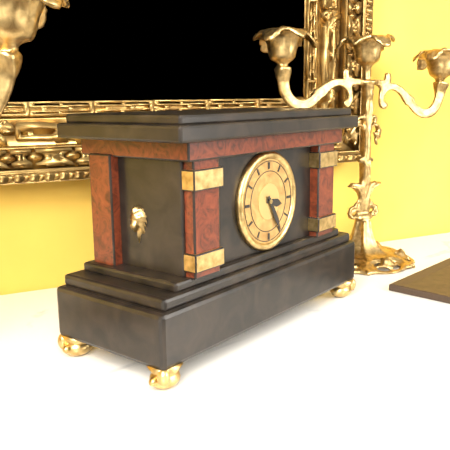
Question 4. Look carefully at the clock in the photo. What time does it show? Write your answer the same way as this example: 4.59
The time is 3.25
